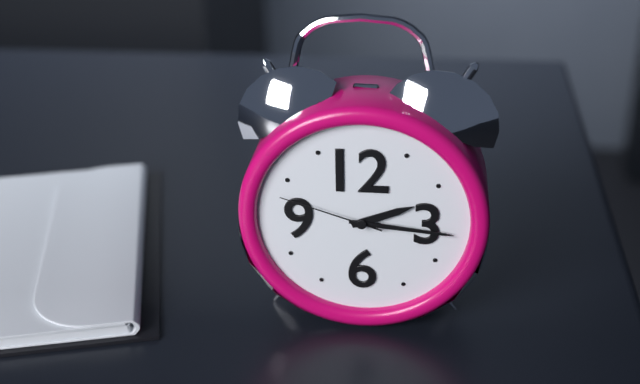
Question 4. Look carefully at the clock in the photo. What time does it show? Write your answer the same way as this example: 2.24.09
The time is 2.16.48
